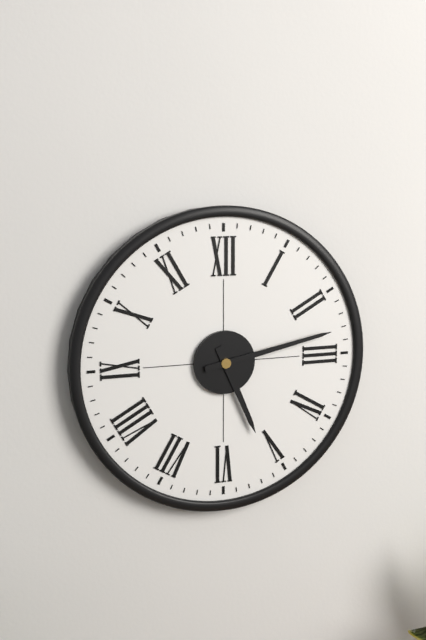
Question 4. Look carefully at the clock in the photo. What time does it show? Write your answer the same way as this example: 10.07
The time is 5.13
